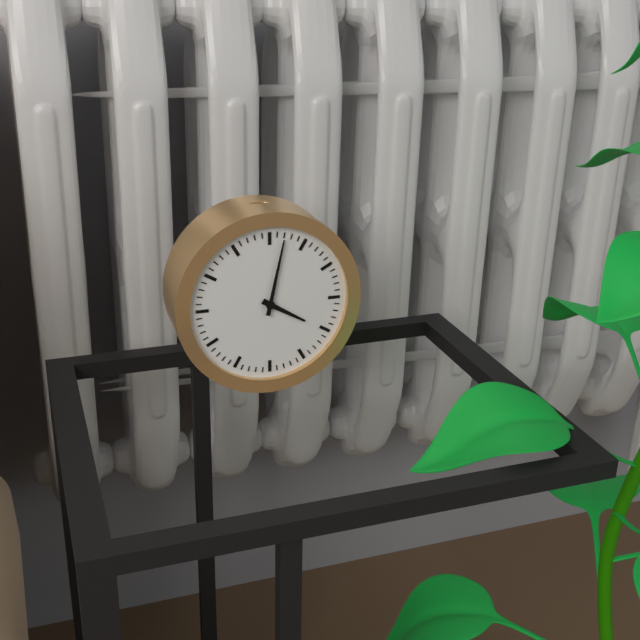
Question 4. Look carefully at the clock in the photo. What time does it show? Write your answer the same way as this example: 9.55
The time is 4.02
